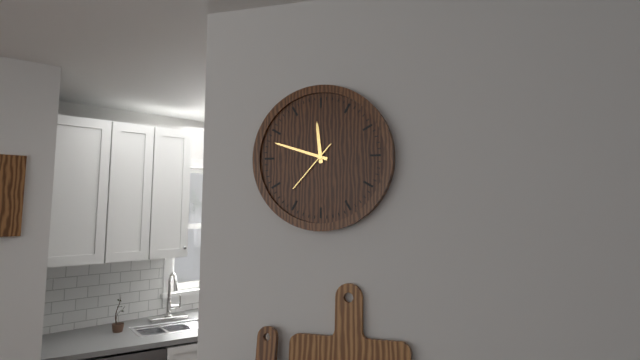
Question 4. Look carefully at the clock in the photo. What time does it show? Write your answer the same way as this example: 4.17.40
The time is 11.48.37
